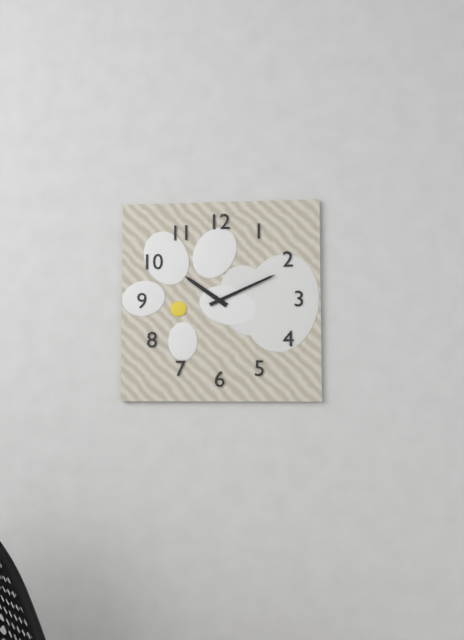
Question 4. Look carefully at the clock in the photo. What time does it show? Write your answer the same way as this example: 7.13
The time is 10.11
